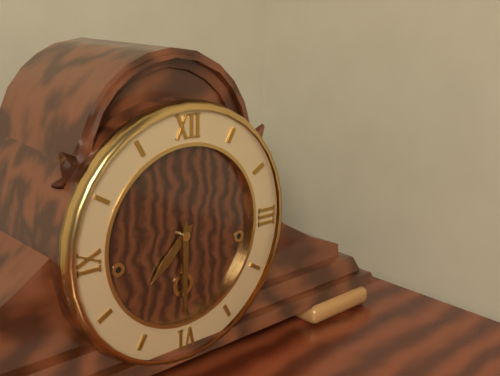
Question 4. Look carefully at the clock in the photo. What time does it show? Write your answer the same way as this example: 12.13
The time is 7.30
